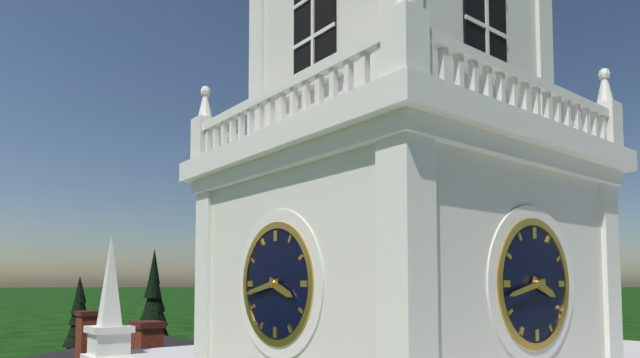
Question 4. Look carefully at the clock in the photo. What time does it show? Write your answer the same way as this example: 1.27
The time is 3.43
